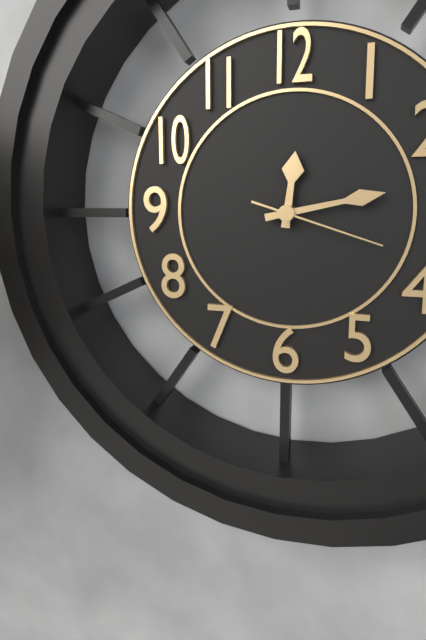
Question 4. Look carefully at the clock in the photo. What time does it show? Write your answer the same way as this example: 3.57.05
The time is 12.13.18
